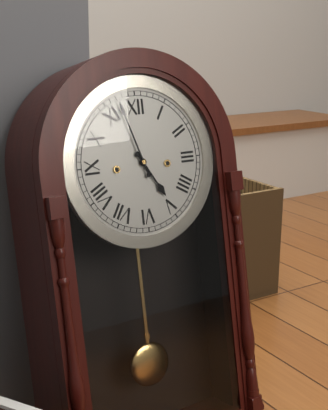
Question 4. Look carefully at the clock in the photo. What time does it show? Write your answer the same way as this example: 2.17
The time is 4.57
